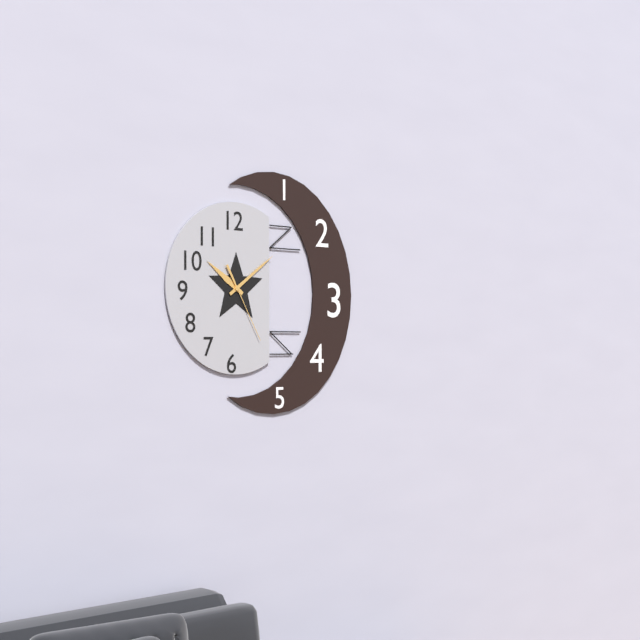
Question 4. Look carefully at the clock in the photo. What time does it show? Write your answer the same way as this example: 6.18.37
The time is 10.09.25
